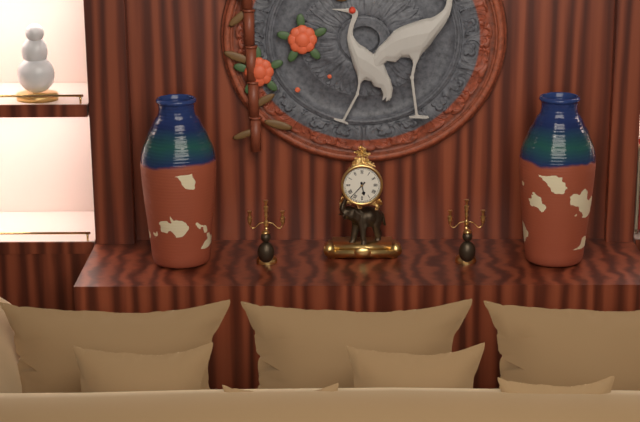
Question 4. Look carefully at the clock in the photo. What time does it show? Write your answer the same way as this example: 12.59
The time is 5.37
